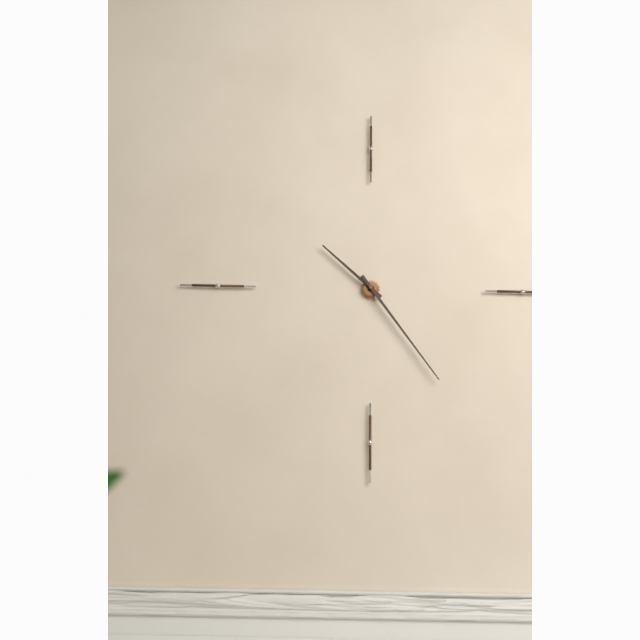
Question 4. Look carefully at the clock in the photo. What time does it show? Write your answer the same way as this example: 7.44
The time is 10.24
